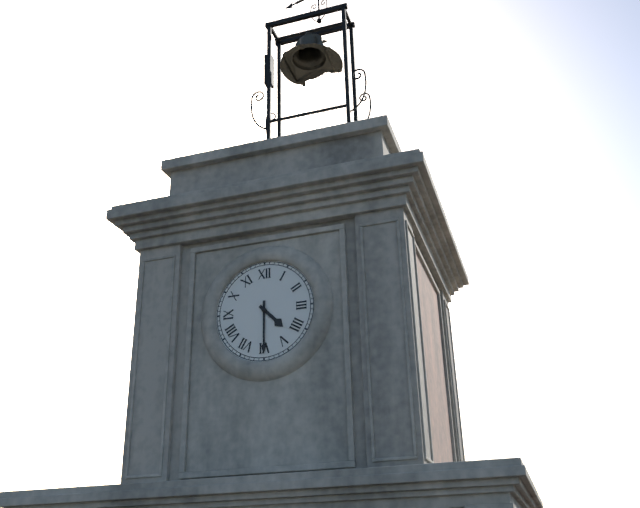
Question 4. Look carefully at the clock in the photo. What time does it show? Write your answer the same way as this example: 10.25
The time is 4.30
